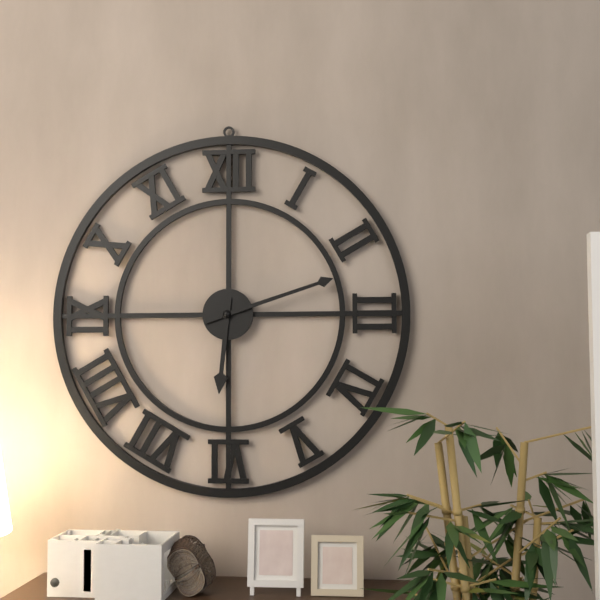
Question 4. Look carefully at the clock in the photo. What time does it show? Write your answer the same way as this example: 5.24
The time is 6.12
